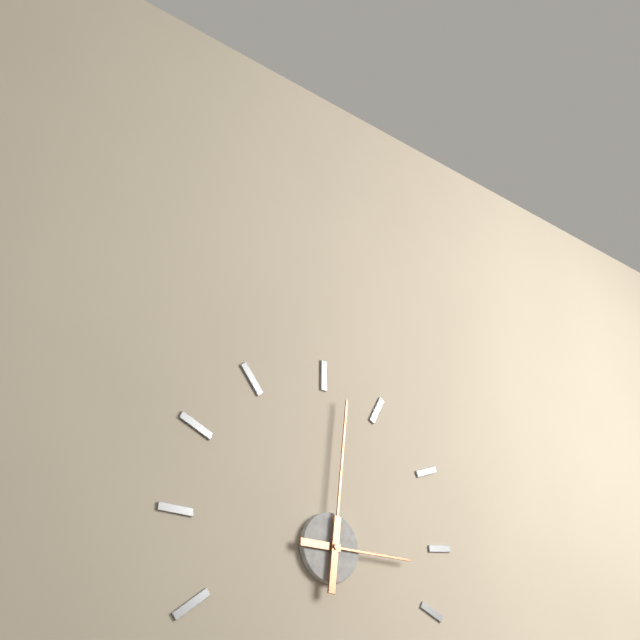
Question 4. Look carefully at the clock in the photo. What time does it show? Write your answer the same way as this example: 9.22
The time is 3.01
